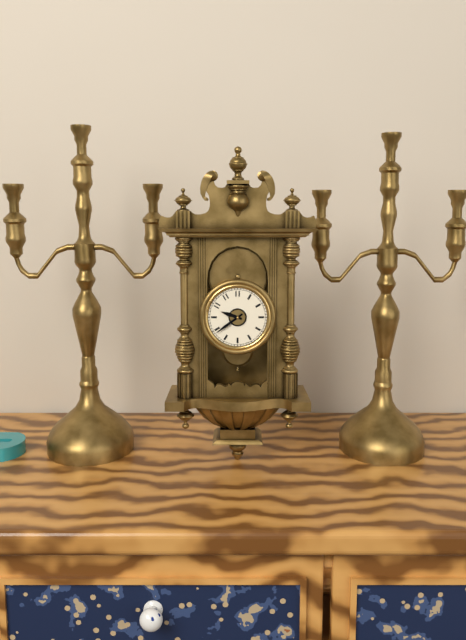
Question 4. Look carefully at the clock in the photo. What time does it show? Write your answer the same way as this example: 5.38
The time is 9.39
